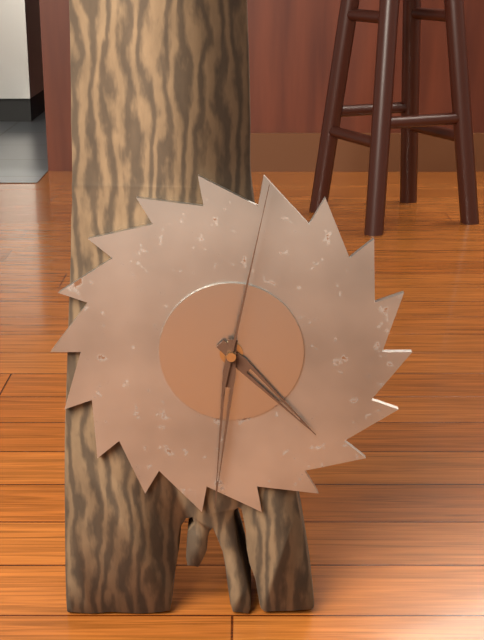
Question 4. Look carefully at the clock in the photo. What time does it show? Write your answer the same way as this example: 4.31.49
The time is 4.31.02
